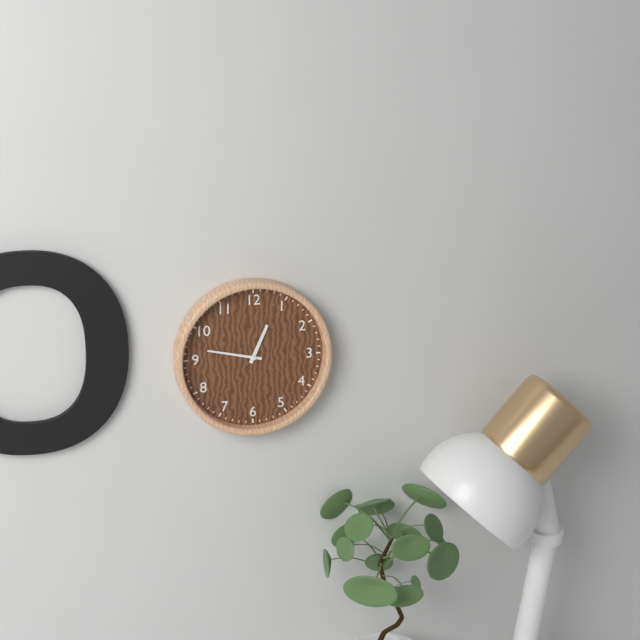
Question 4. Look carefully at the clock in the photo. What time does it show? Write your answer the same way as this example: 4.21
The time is 12.47
